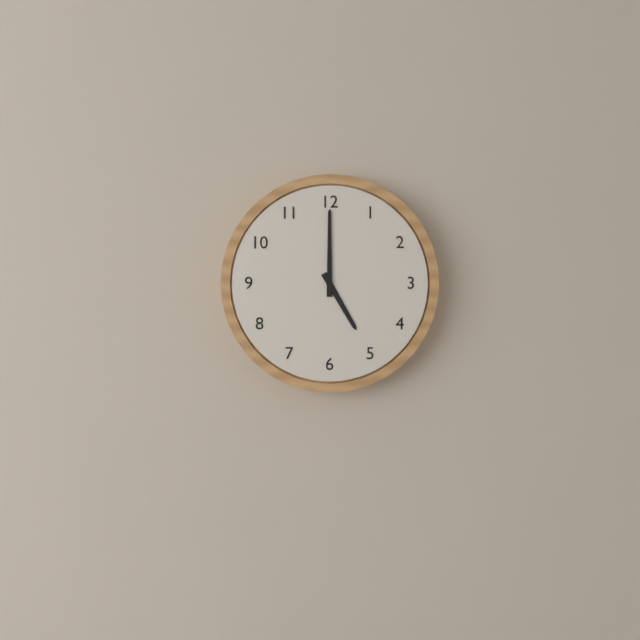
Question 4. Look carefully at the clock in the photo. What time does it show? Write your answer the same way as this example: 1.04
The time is 5.00
